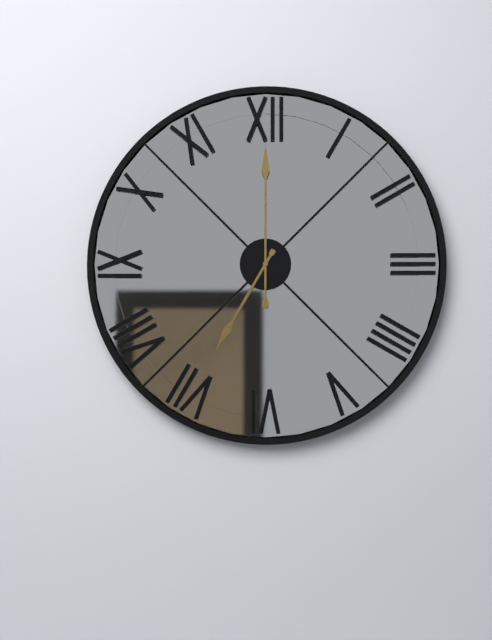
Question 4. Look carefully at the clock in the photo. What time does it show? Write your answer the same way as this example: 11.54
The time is 7.00
